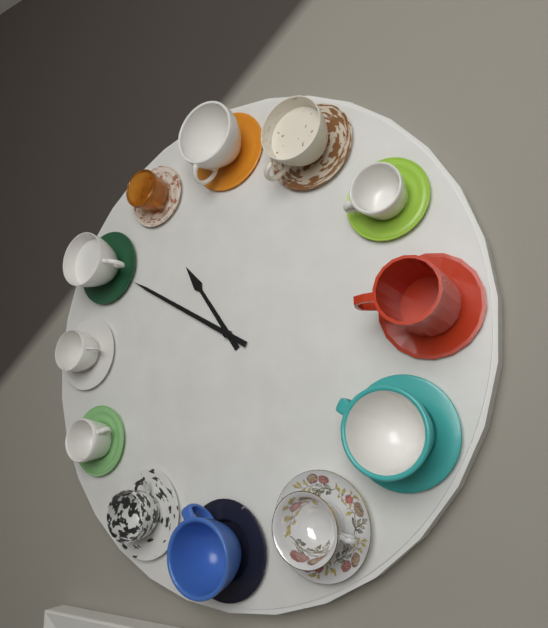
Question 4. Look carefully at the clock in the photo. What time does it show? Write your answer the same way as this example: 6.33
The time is 10.50
